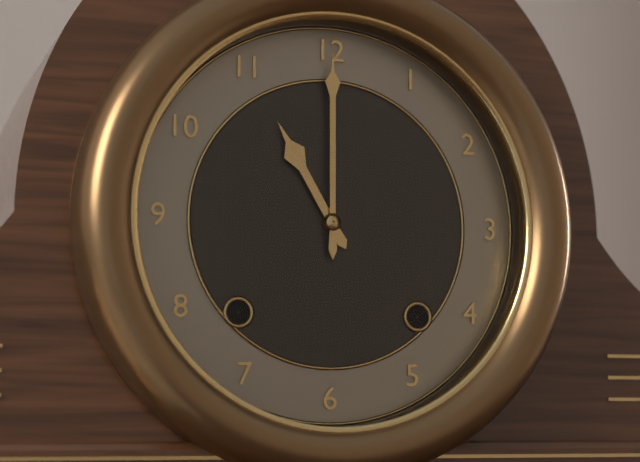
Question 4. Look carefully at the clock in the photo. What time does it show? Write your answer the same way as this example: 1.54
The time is 11.00
